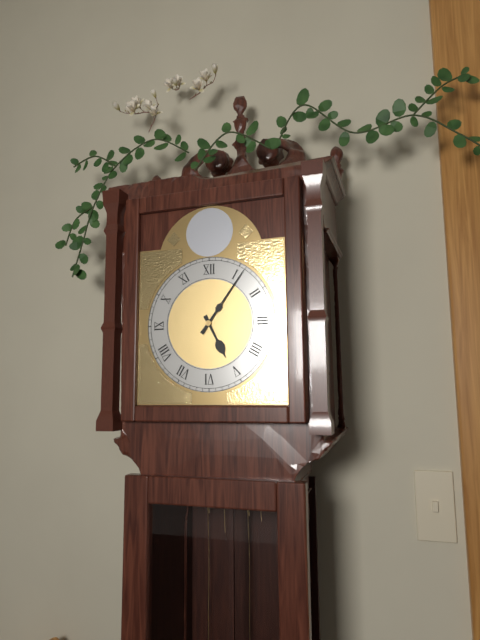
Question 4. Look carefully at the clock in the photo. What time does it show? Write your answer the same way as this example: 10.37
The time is 5.06
